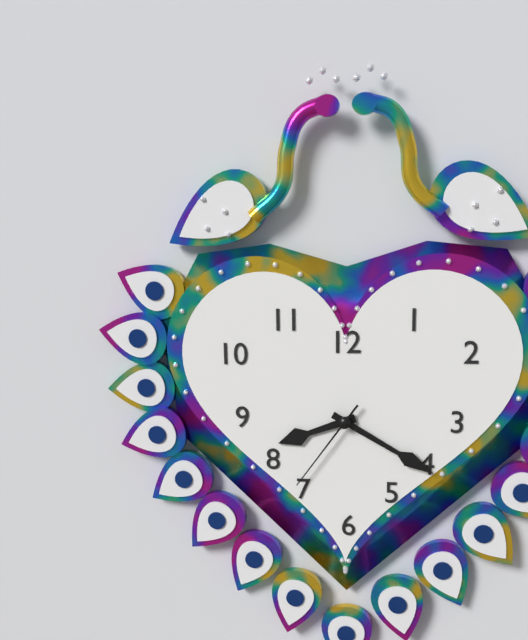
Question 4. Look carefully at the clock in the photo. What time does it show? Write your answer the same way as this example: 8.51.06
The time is 8.20.36
